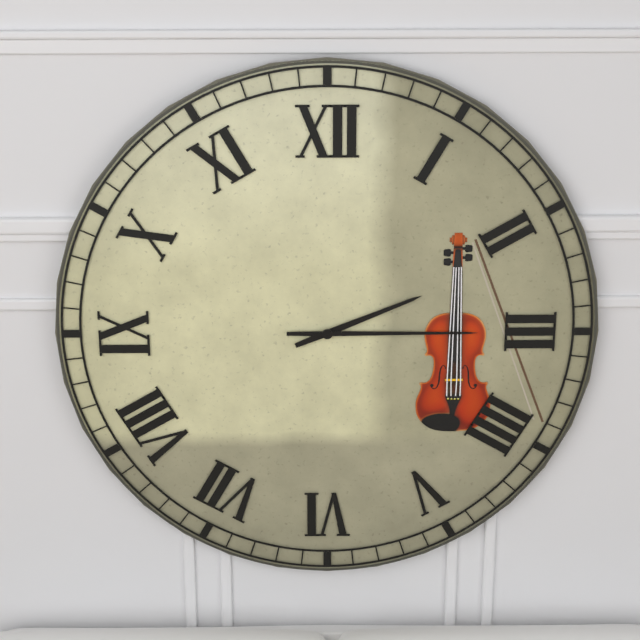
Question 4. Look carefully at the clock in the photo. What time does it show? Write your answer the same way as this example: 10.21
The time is 2.15
